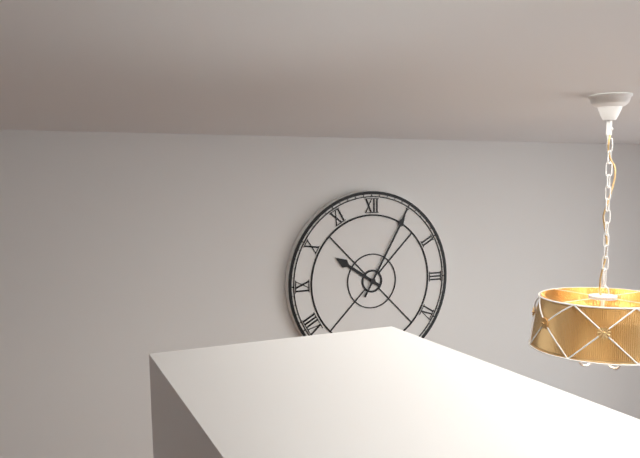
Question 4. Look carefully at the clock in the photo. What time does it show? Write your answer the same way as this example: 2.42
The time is 10.05
